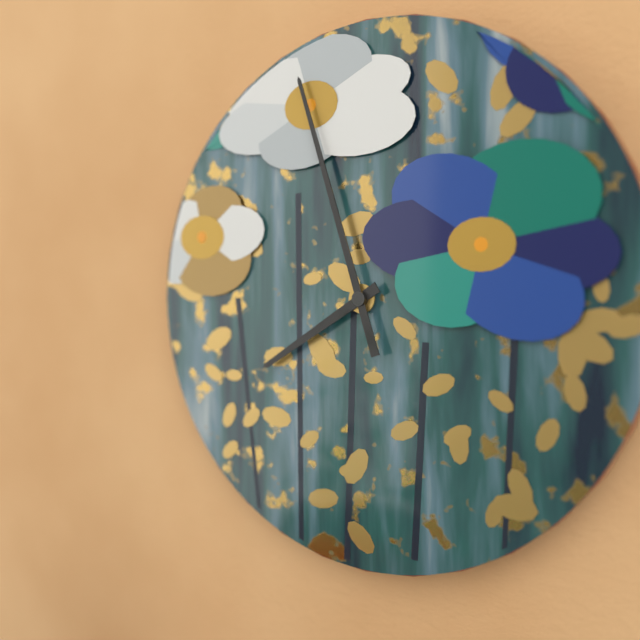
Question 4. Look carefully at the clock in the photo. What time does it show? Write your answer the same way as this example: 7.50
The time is 7.57
